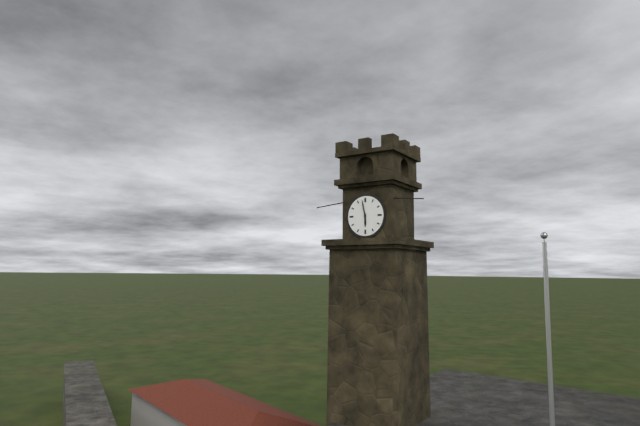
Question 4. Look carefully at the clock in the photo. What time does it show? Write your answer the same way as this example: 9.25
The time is 5.58
